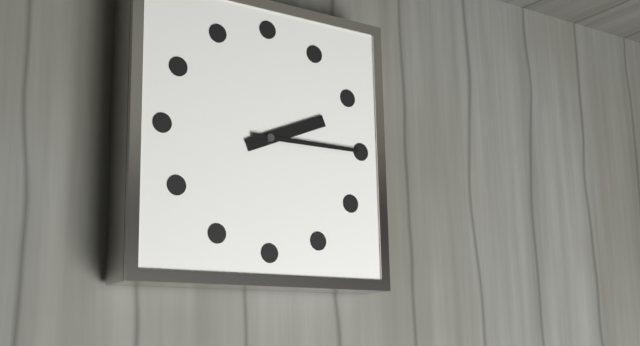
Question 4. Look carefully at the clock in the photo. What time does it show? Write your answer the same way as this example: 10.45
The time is 2.15
